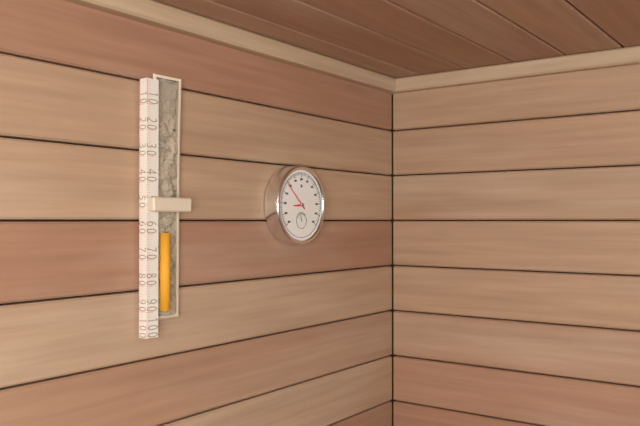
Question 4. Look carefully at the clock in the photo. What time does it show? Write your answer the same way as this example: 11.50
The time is 8.52
